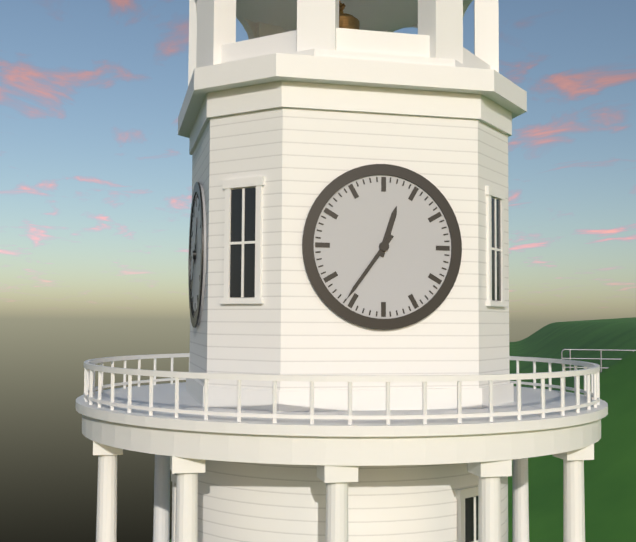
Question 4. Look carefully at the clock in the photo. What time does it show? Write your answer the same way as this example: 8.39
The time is 12.36
